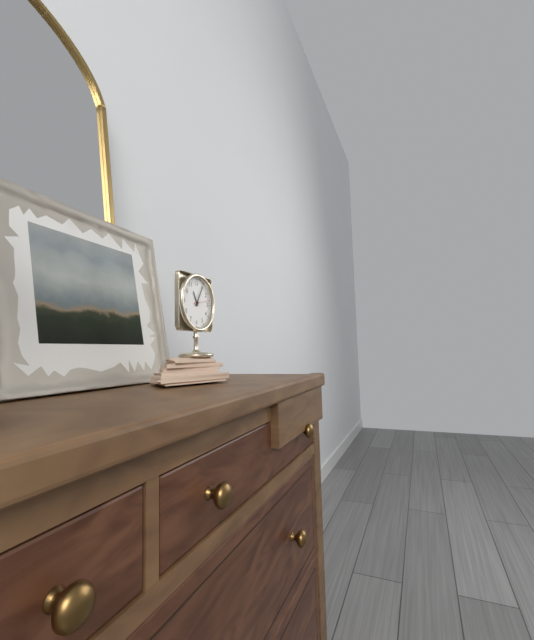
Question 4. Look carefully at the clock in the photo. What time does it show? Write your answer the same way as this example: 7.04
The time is 11.05
